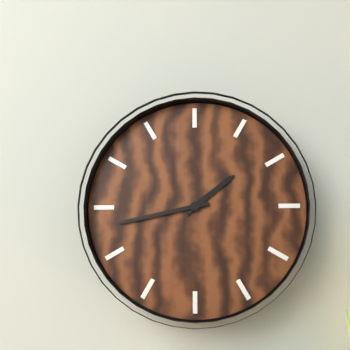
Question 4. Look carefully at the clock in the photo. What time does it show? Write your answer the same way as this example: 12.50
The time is 1.43
